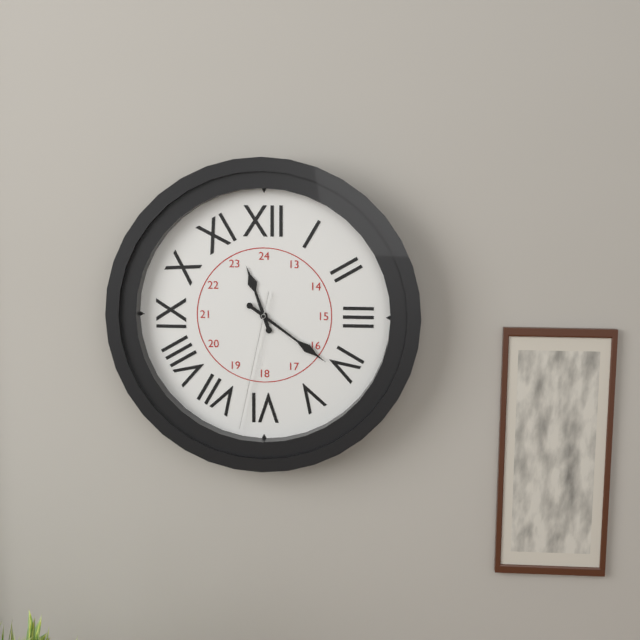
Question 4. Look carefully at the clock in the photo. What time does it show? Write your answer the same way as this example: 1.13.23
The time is 11.21.32
